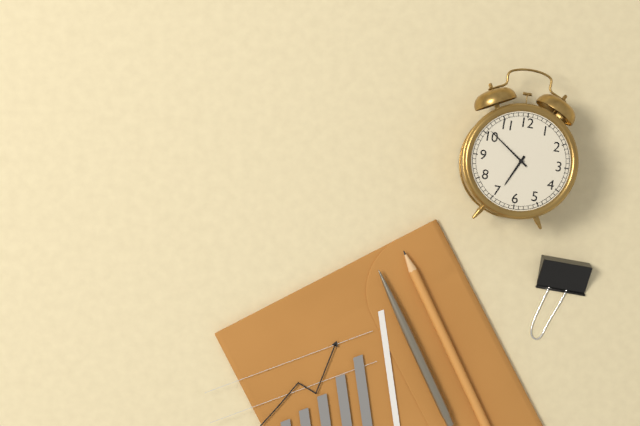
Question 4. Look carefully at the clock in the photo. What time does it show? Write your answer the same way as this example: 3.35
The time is 6.51
